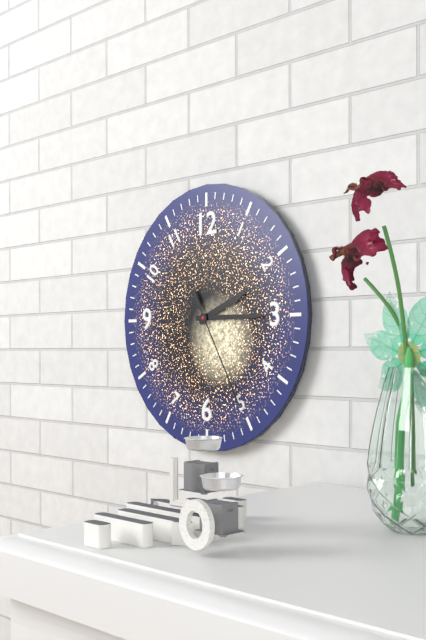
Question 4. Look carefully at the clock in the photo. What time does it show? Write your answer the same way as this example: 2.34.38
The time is 2.15.25
